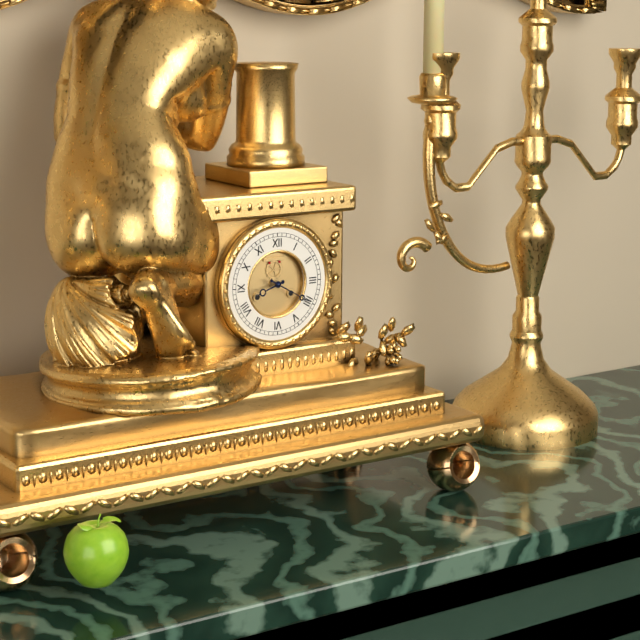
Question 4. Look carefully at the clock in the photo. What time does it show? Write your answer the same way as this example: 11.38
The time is 8.20
